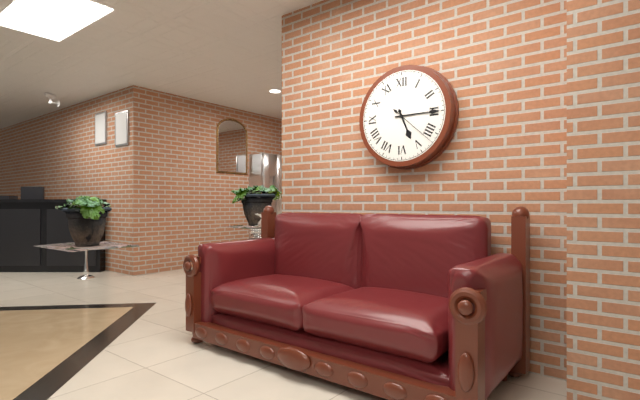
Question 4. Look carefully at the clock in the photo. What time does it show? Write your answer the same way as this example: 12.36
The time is 5.15
